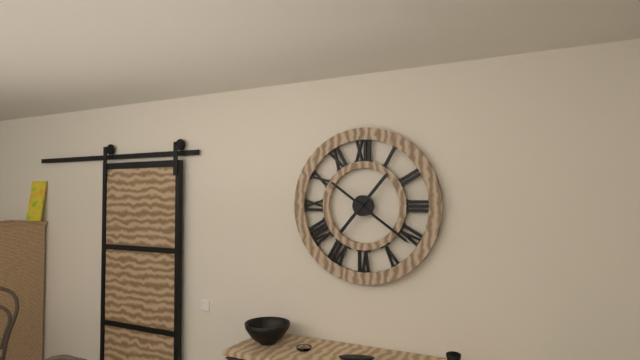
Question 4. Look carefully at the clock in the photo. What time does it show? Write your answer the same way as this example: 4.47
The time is 1.21
